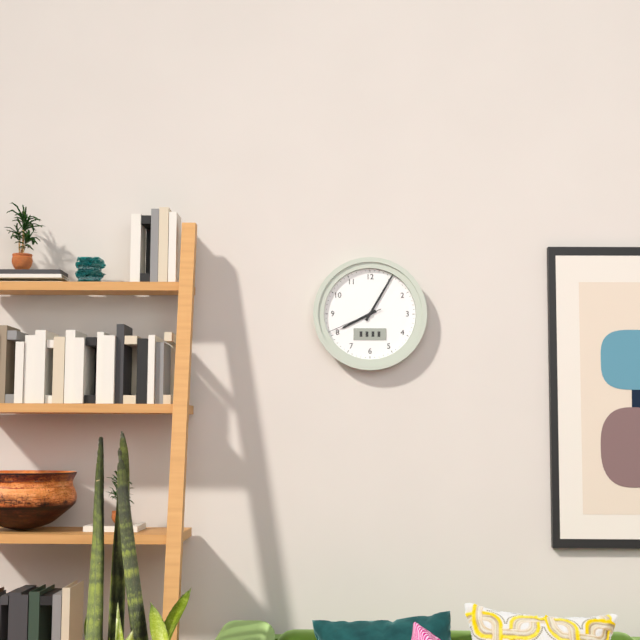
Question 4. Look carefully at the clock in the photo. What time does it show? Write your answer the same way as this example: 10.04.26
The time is 8.05.41
